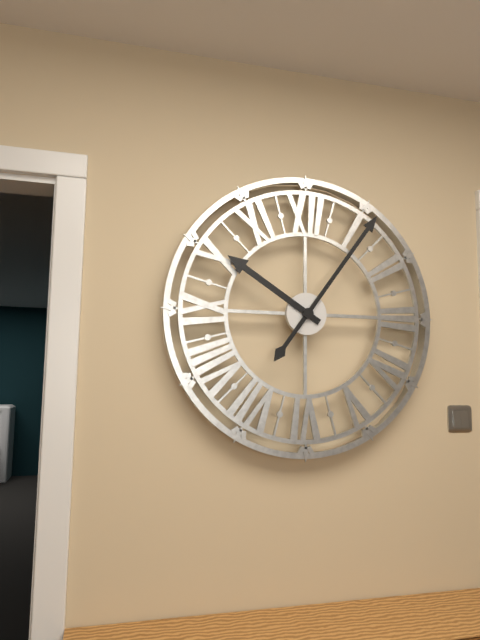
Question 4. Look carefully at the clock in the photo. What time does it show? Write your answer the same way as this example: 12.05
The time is 10.06
